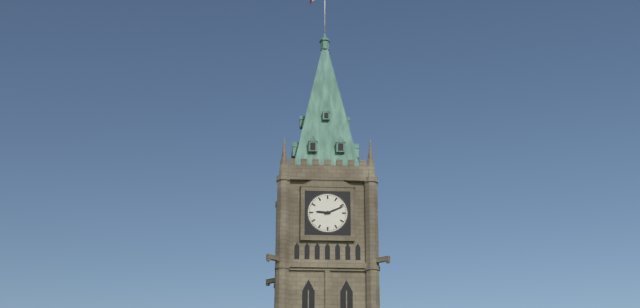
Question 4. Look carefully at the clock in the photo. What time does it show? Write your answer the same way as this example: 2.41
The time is 9.11
